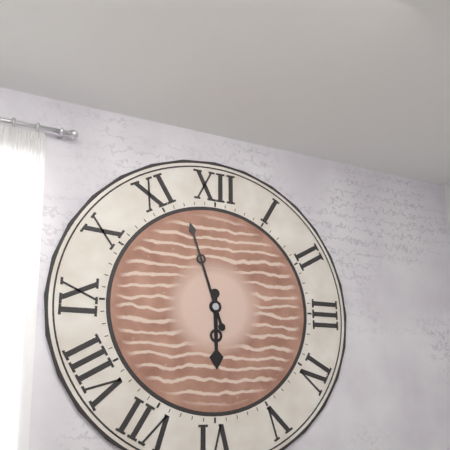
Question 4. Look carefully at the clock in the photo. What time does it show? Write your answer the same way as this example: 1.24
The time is 5.57
